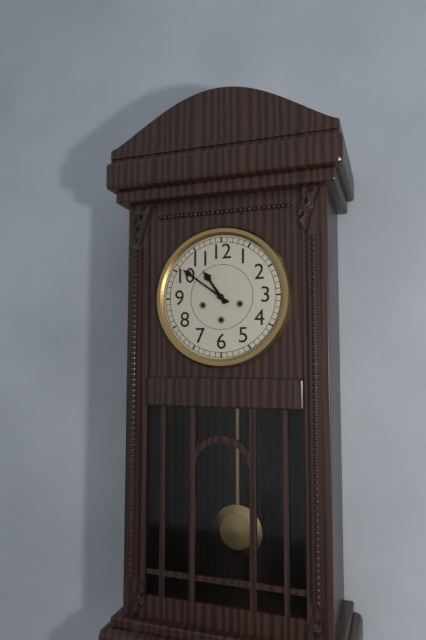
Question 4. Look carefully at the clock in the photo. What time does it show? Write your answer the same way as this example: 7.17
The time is 10.51
